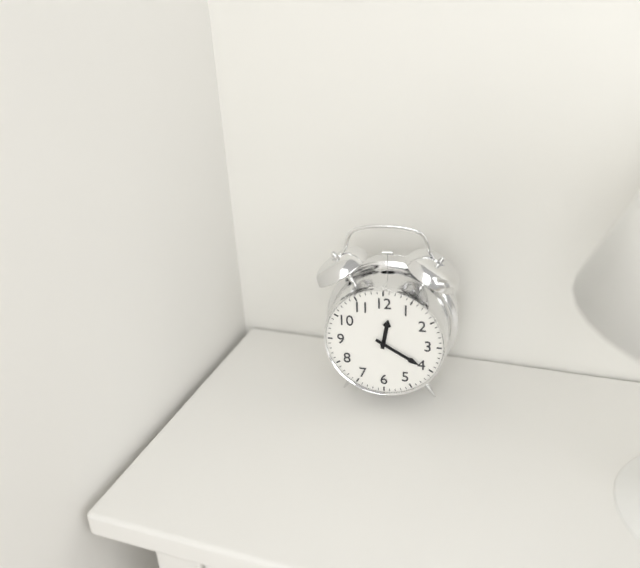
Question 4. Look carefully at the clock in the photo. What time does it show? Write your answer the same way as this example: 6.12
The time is 12.20
